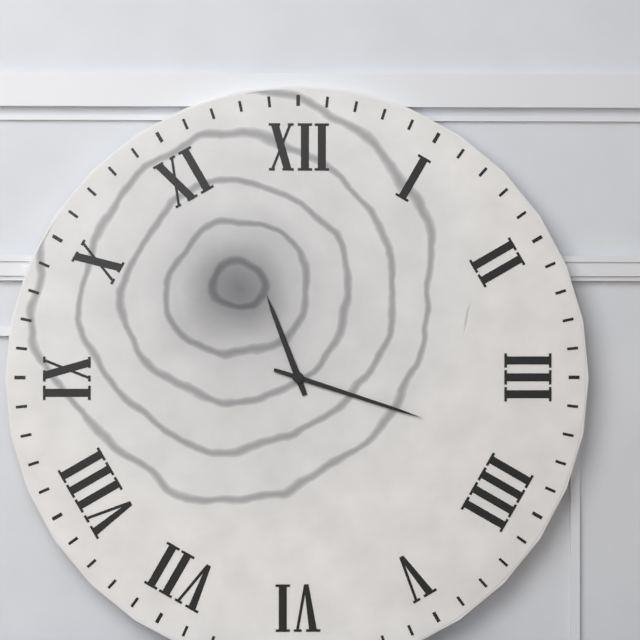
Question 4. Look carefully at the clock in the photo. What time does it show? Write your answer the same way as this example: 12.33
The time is 11.18
